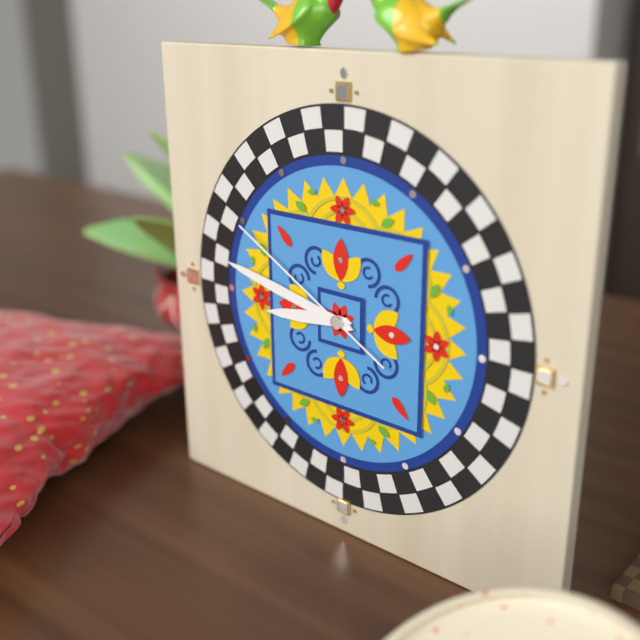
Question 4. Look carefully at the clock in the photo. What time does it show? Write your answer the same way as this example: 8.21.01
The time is 8.47.50
